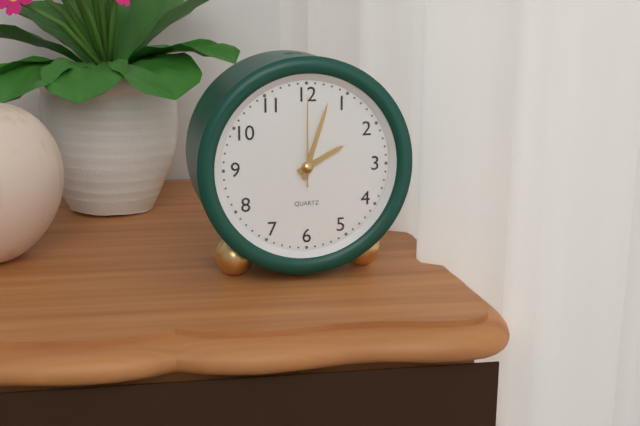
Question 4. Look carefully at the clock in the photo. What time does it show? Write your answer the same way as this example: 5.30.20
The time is 2.03.00
